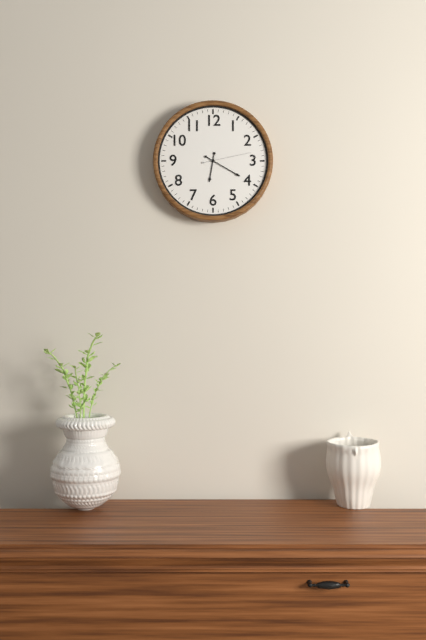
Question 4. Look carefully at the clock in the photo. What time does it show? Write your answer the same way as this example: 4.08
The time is 6.20
